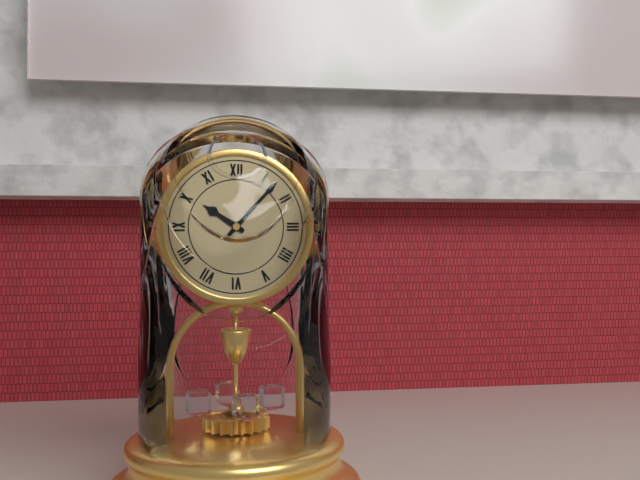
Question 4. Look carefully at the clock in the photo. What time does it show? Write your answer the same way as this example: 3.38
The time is 10.07
